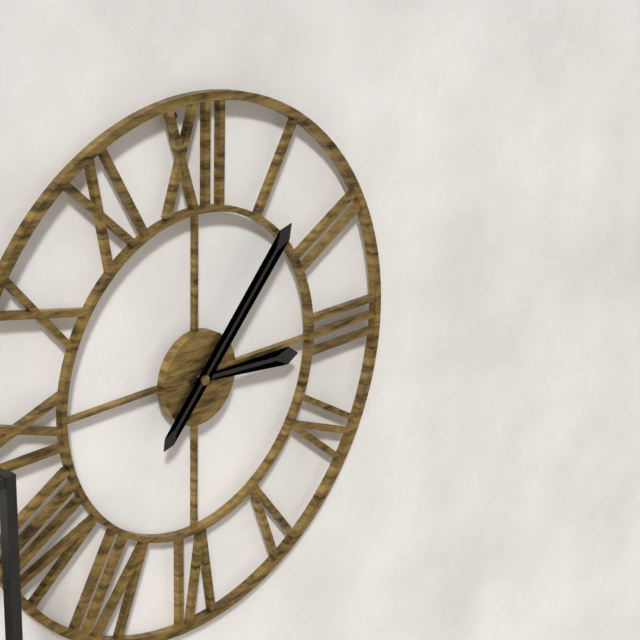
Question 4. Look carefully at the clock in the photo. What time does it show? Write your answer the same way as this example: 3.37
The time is 3.07
